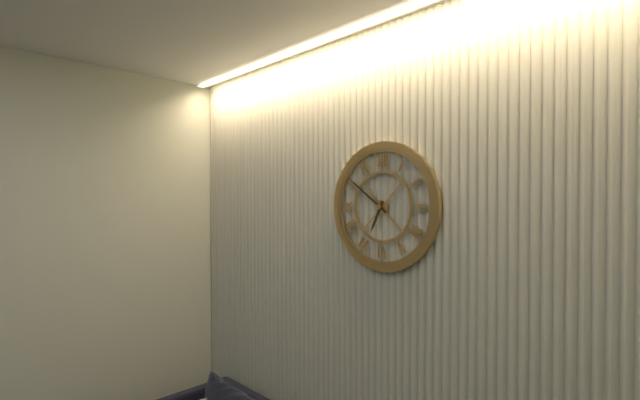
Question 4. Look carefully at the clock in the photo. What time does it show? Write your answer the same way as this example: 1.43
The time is 6.51
